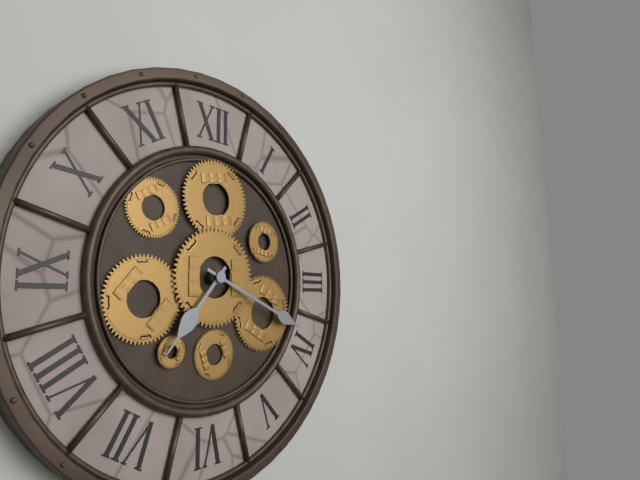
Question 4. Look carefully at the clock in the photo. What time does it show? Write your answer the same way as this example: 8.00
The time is 7.19
